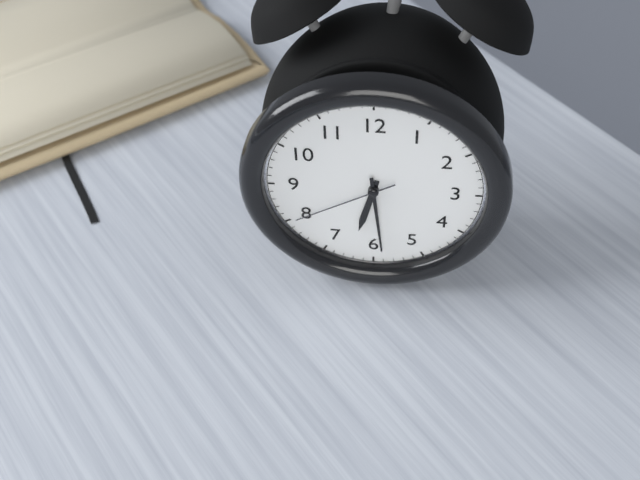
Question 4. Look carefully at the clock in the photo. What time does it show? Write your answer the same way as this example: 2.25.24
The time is 6.29.40
